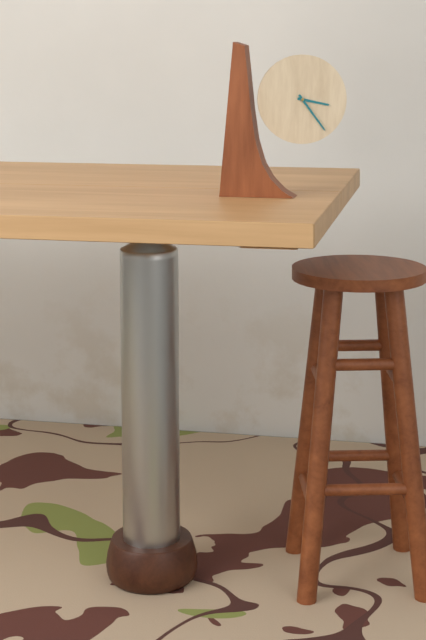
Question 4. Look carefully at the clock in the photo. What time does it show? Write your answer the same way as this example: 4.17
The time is 3.24
